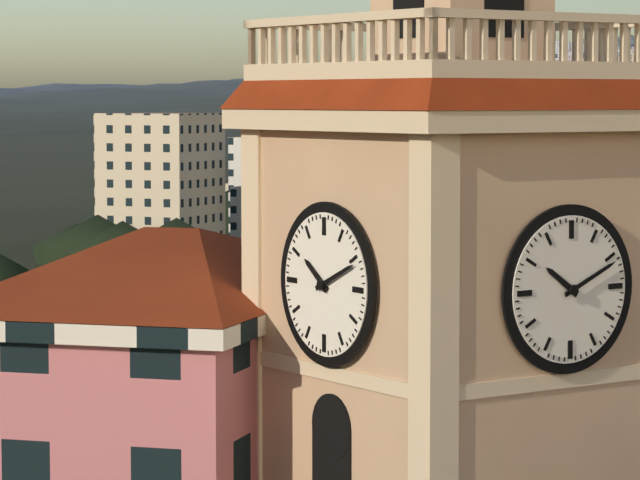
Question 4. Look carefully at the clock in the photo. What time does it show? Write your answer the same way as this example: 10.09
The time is 10.11
